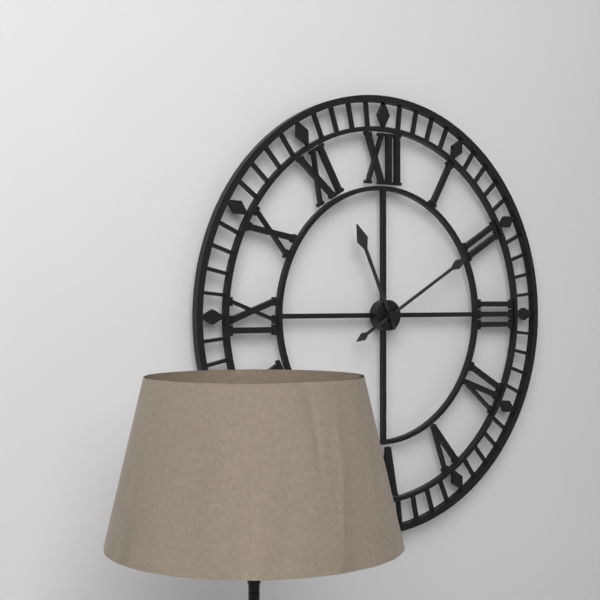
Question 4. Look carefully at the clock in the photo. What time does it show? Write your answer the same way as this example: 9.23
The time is 11.10
